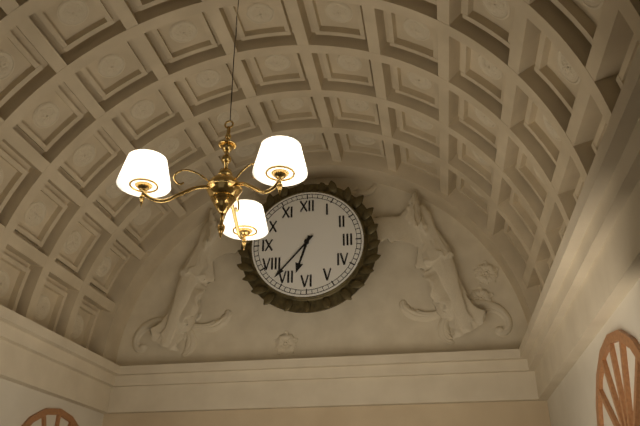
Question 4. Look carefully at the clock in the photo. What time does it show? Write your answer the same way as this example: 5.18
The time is 6.37
